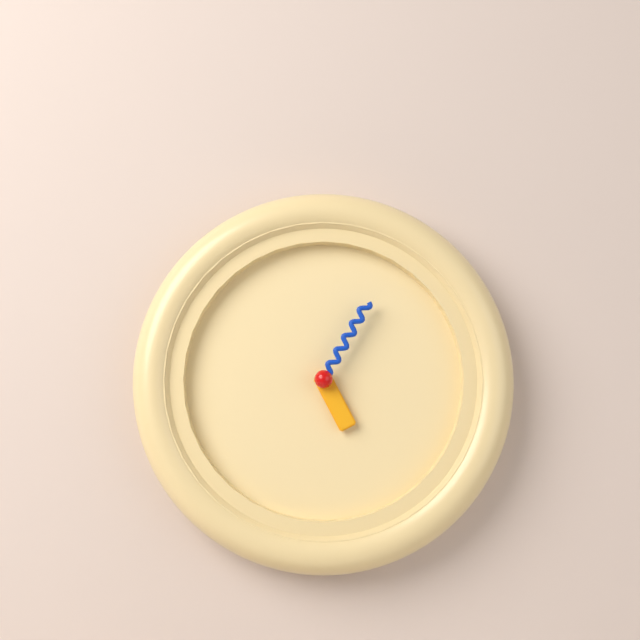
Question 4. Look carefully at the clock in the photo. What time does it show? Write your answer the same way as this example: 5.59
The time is 5.05
